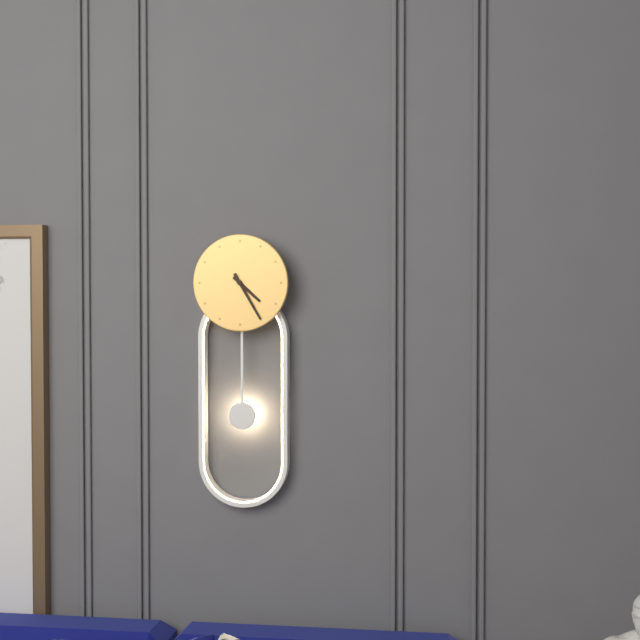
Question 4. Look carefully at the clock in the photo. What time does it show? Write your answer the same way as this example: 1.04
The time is 4.25
